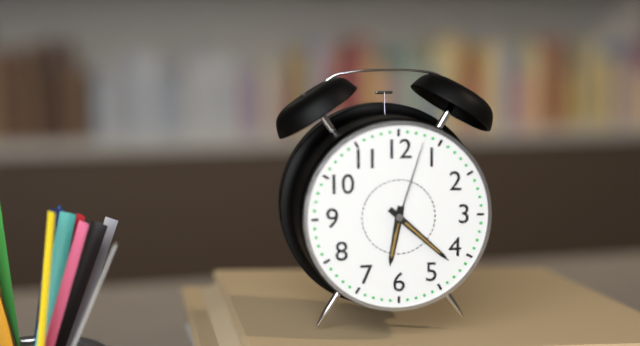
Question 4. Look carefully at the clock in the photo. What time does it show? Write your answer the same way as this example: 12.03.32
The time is 6.22.03
